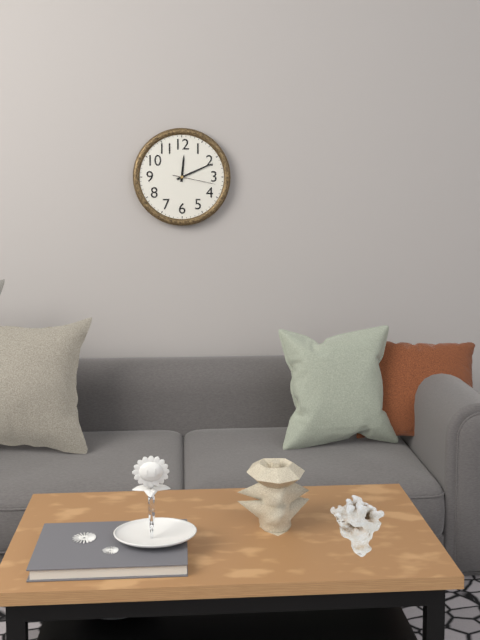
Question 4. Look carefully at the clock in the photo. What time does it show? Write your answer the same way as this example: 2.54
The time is 12.11
